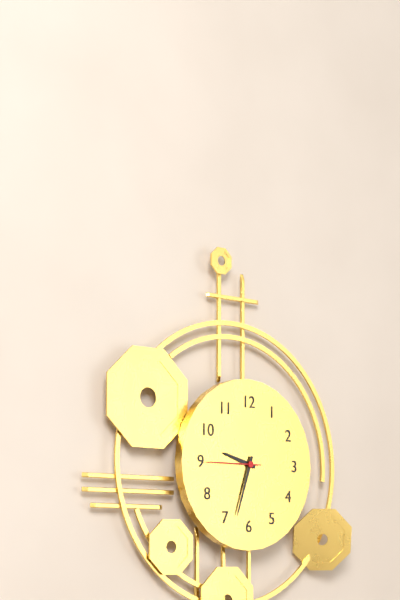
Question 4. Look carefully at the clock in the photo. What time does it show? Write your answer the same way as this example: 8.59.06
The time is 9.33.45
